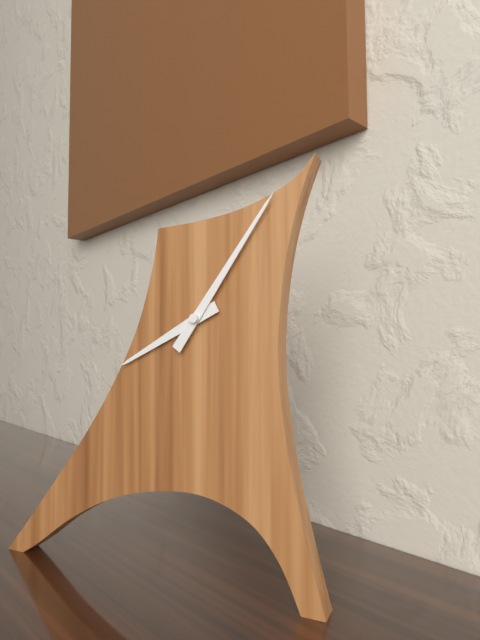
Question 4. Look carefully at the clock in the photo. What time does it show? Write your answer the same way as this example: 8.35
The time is 8.06
